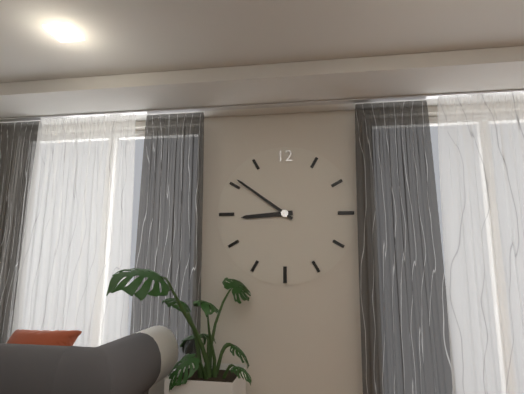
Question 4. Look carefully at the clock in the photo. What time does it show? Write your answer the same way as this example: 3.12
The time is 8.51
